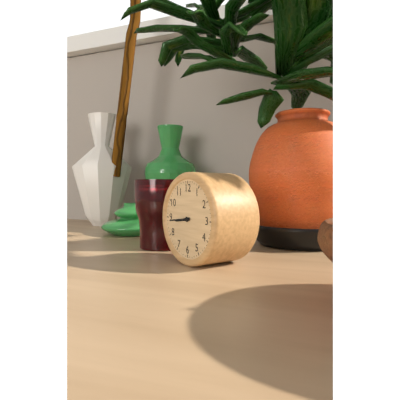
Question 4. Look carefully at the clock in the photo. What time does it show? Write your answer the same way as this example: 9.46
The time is 8.44
